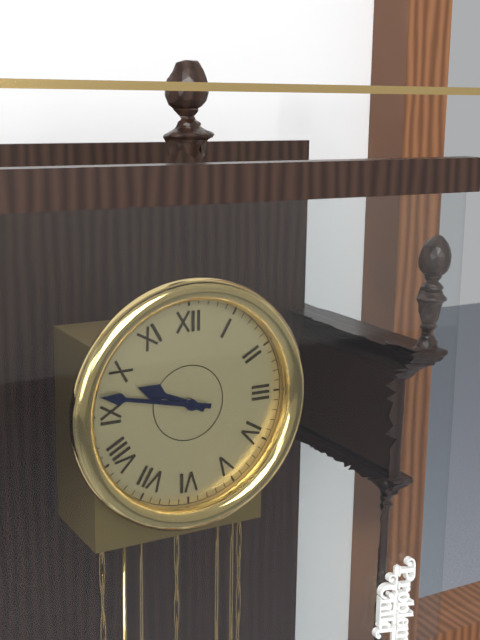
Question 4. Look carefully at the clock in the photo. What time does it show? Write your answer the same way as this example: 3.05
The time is 9.47
